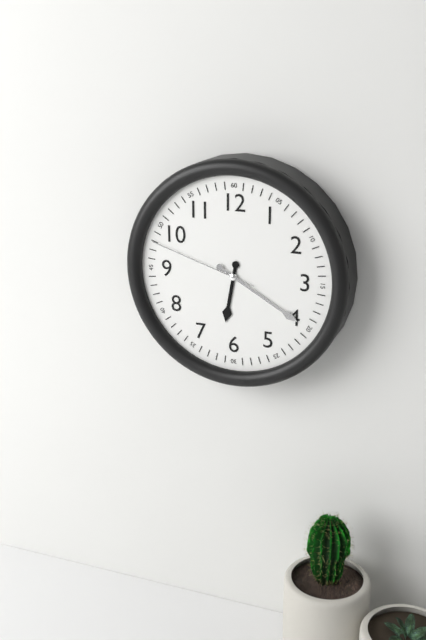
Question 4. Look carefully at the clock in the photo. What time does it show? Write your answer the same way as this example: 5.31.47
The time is 6.20.48
